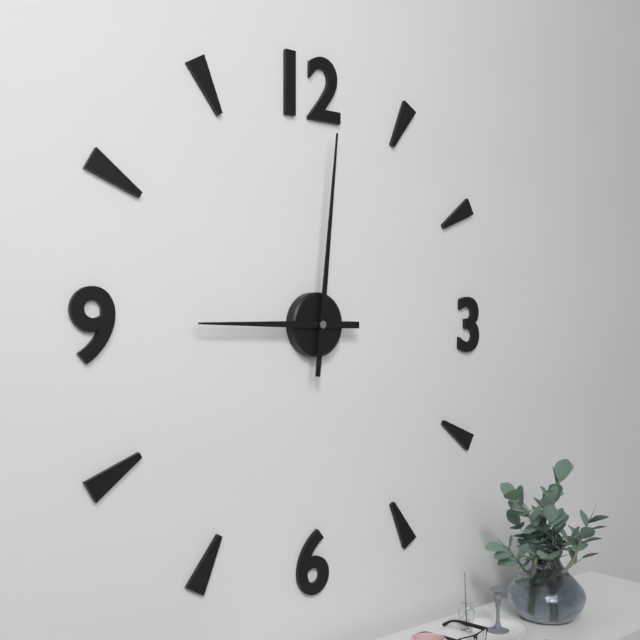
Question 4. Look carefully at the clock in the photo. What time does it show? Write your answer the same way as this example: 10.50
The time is 9.01
